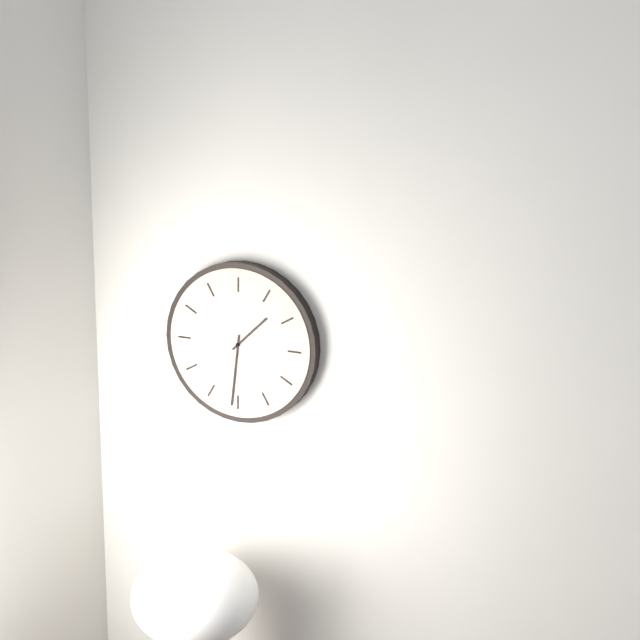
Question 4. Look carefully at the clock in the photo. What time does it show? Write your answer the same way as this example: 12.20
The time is 1.31
